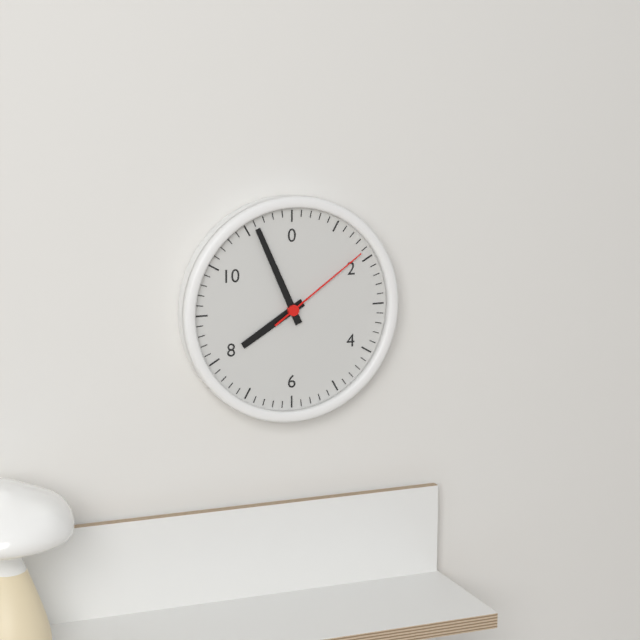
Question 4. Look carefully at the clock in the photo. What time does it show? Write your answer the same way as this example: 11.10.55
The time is 7.56.09
